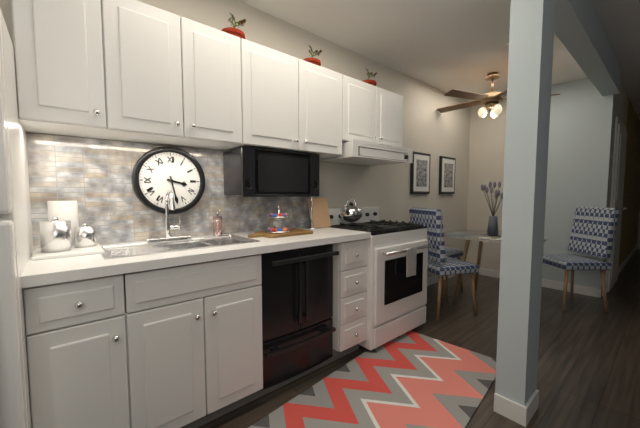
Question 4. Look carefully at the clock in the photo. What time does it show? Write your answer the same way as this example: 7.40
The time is 3.28
